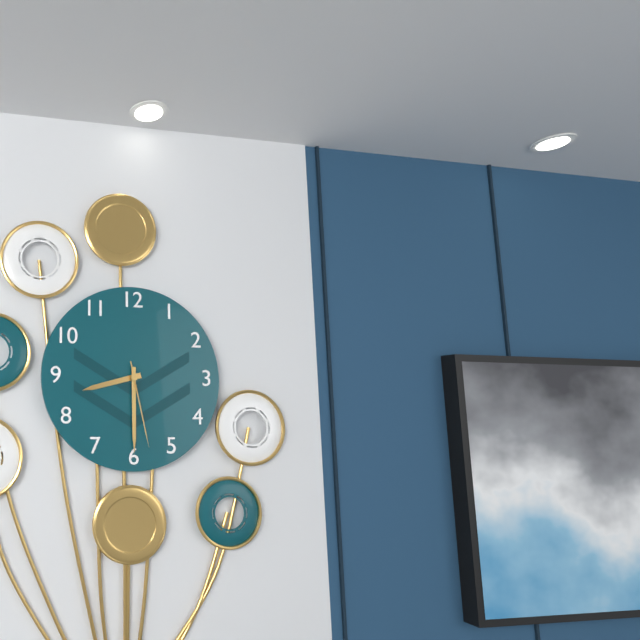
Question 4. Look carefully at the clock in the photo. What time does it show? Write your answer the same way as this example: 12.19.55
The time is 8.30.28
